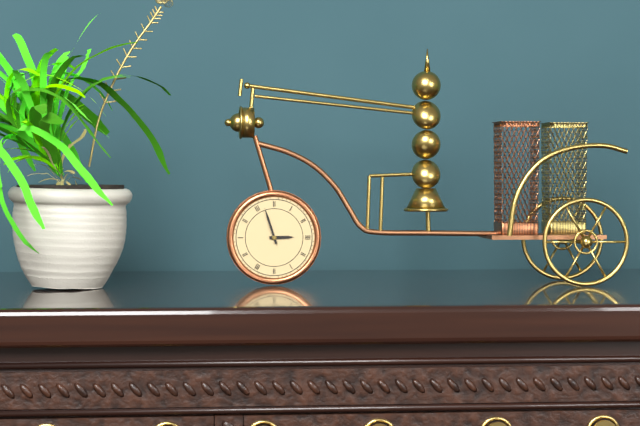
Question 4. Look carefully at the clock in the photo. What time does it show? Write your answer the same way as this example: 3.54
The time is 2.57
